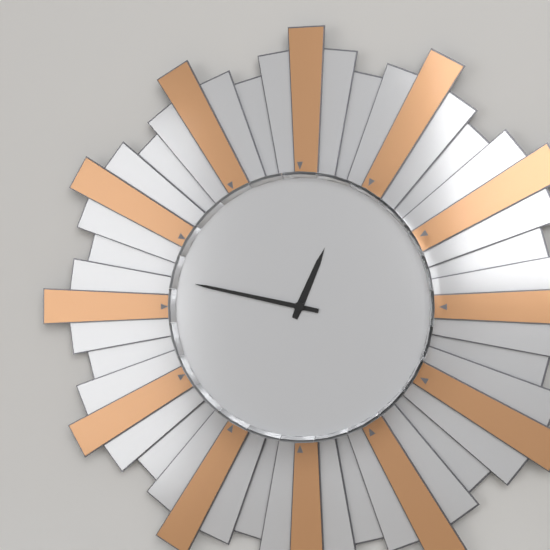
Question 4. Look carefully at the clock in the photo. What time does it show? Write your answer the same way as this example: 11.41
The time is 12.47
